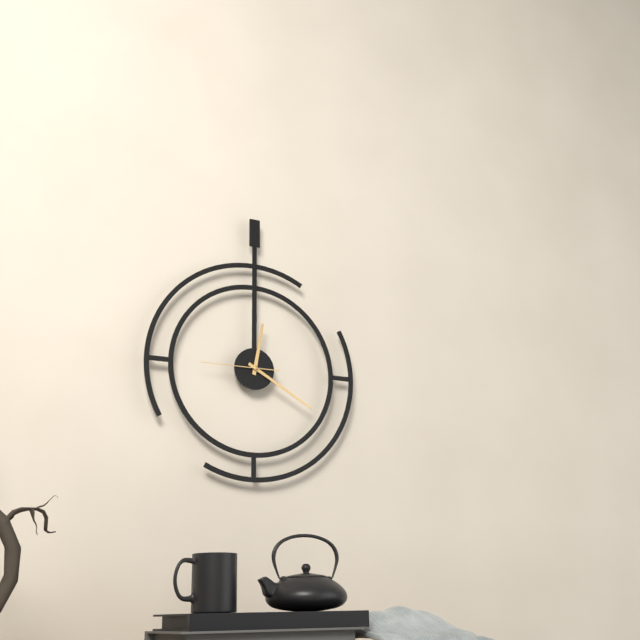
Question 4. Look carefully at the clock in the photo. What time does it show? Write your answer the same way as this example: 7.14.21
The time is 12.20.45
